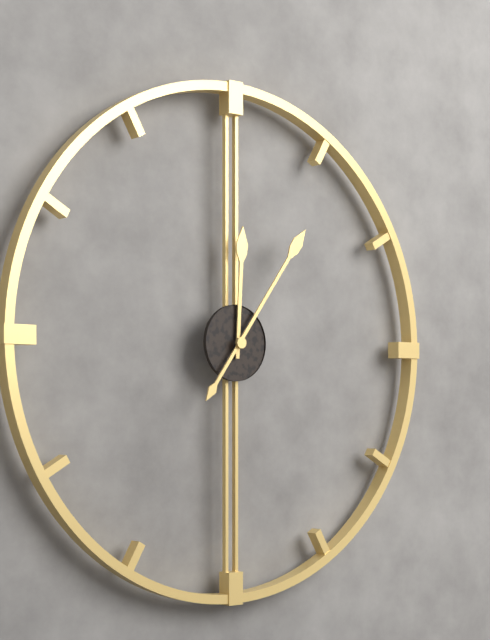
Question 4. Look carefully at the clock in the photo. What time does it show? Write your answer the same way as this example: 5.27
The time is 12.06
